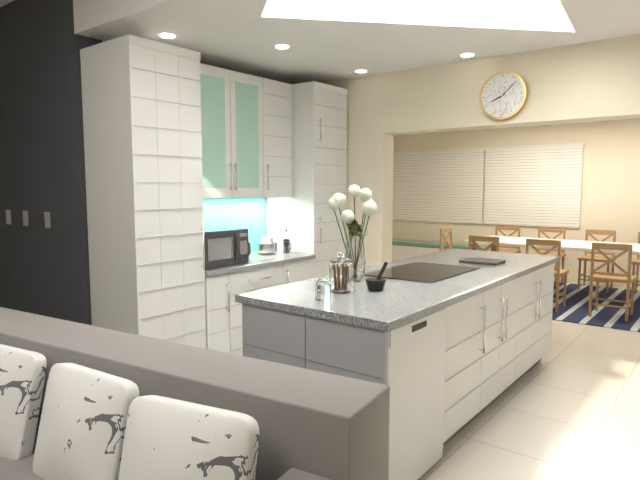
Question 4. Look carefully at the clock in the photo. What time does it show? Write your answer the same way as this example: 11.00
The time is 8.08
